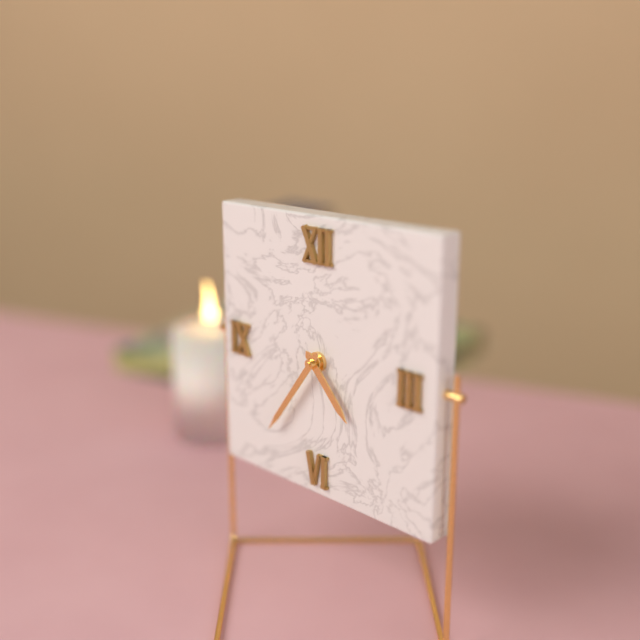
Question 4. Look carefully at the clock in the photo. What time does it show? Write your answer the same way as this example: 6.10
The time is 4.36
